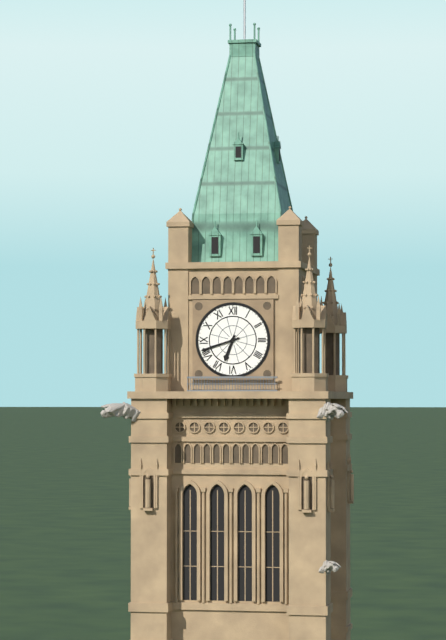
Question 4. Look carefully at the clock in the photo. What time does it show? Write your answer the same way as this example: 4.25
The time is 6.42
